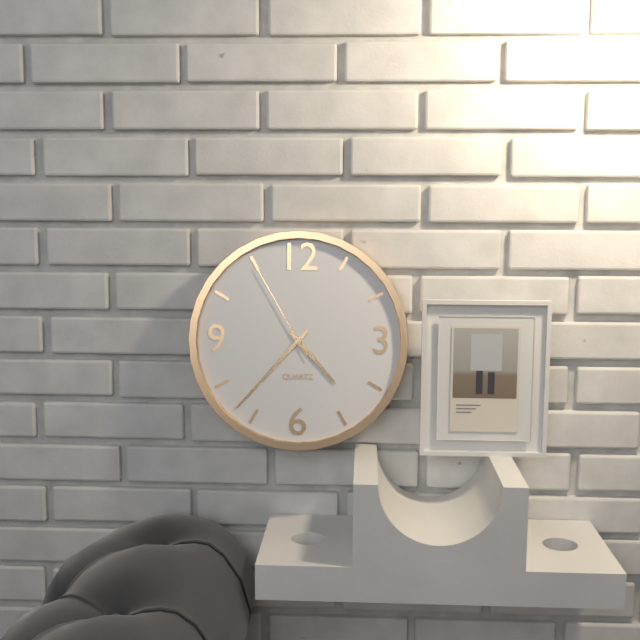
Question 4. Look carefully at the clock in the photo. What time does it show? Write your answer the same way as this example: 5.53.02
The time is 4.37.55
